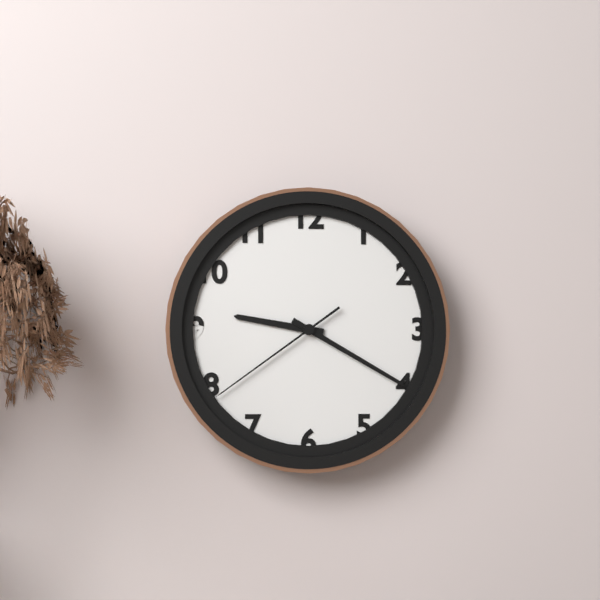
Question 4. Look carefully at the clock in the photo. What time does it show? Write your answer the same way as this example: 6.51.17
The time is 9.20.39
